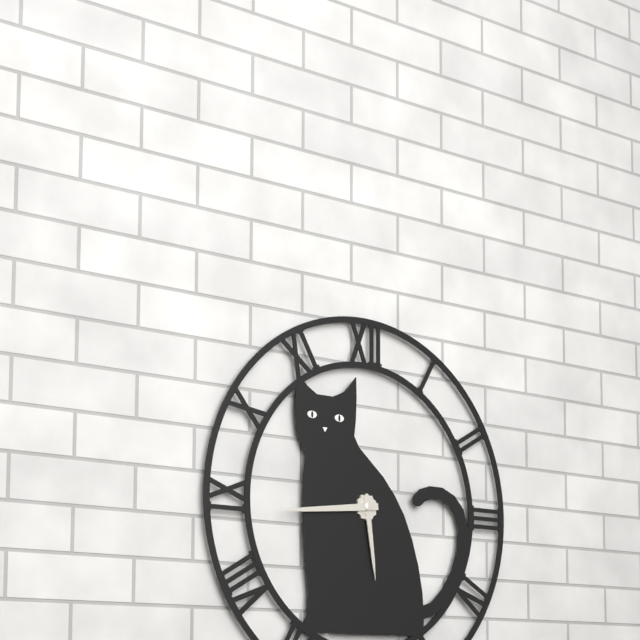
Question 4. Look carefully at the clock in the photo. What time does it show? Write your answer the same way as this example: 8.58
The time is 5.44
